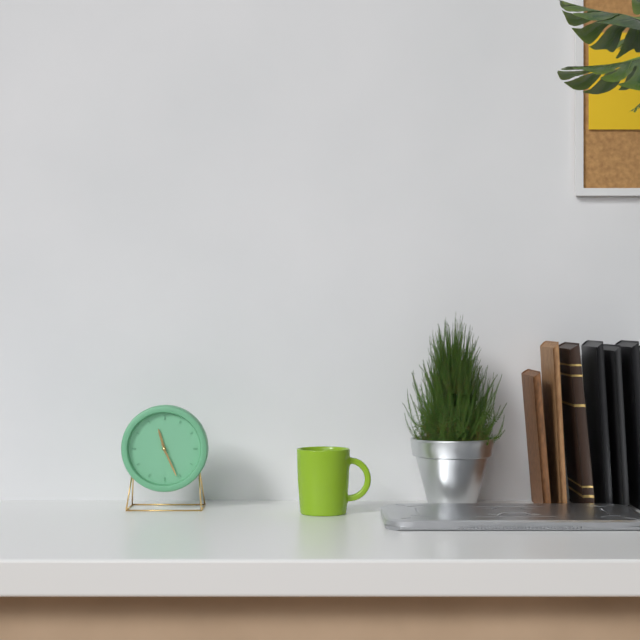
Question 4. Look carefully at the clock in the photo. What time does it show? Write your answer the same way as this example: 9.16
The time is 11.26
